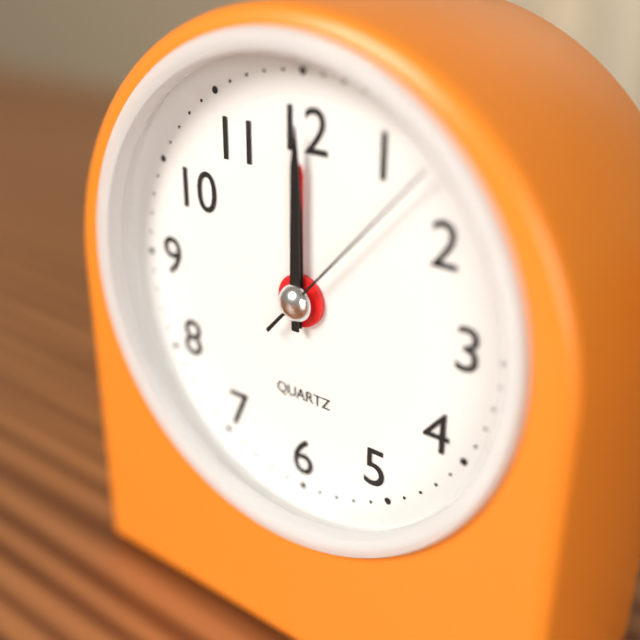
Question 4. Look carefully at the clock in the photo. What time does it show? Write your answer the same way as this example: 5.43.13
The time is 12.00.07
